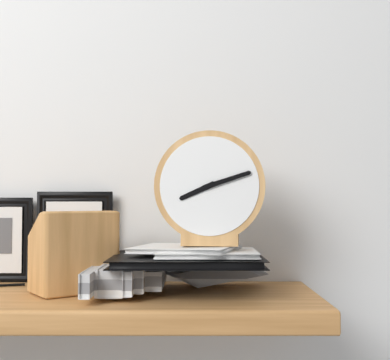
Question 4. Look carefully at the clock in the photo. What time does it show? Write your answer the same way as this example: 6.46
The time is 8.12
